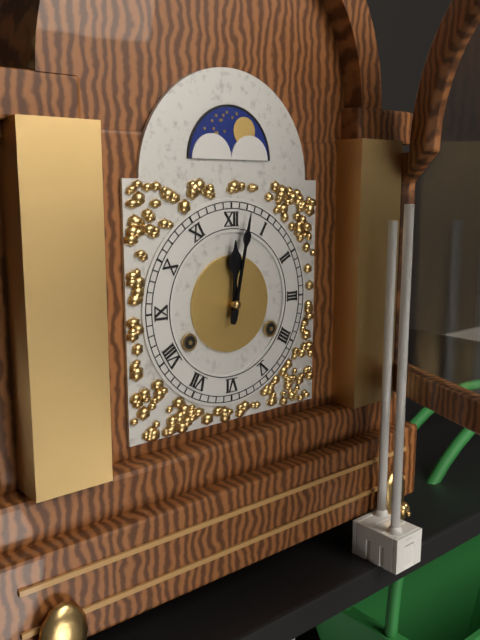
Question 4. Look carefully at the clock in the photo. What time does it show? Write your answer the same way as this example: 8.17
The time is 12.02
